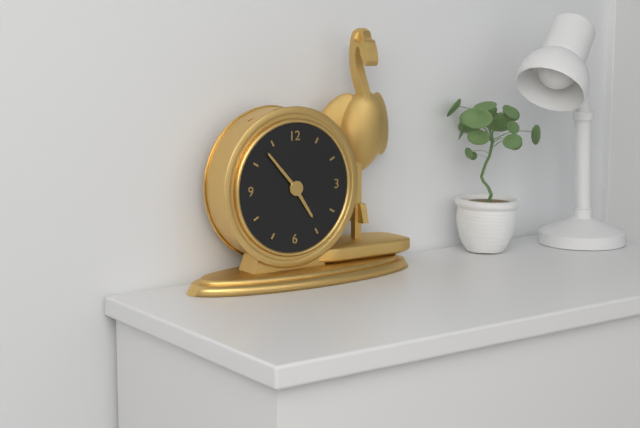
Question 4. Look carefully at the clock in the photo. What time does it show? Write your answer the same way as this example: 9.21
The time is 4.53
